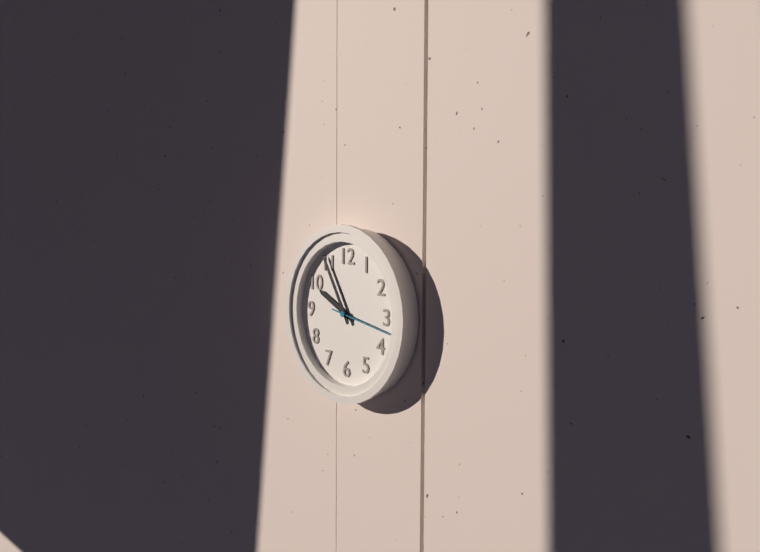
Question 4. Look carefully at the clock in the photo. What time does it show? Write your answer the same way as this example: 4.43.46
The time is 9.55.17
